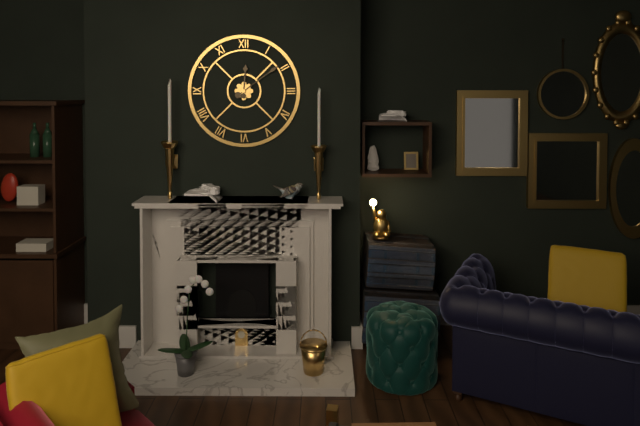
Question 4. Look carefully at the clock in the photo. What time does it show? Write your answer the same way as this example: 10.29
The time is 12.09
